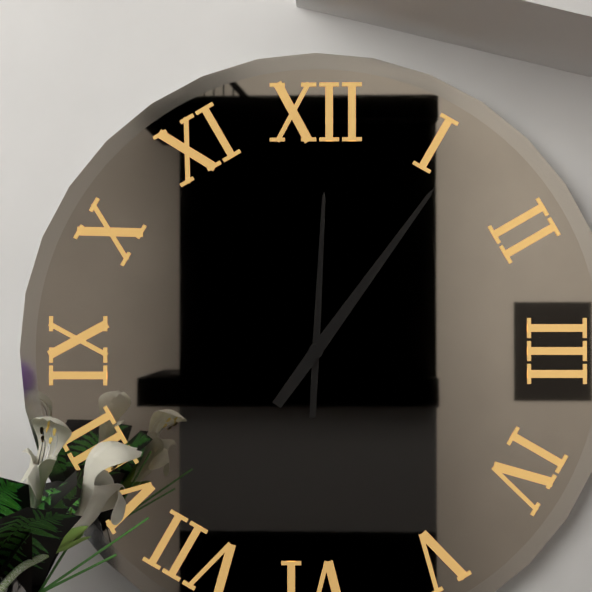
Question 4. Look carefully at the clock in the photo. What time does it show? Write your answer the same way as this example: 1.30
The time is 12.06
